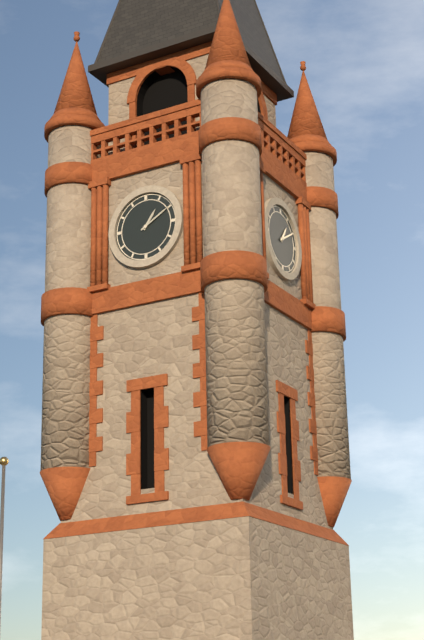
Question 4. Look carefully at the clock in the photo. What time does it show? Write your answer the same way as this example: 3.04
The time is 1.10
